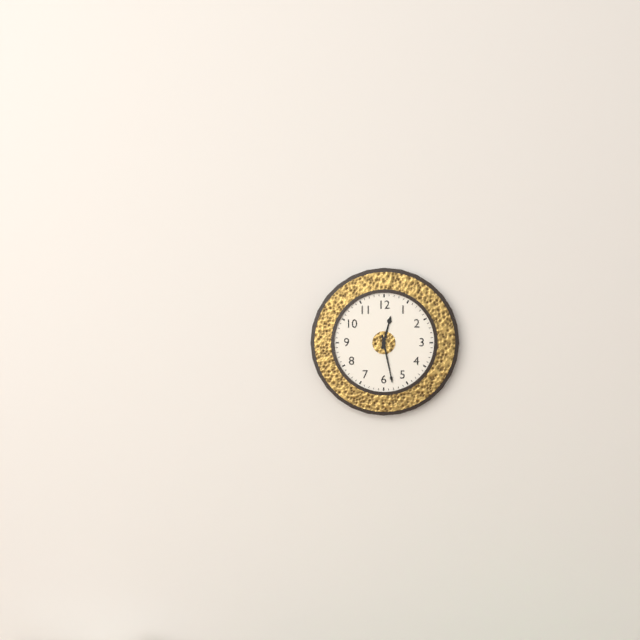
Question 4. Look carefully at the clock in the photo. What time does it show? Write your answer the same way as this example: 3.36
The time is 12.28
